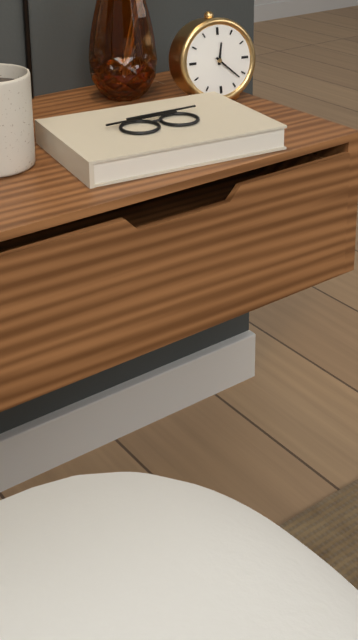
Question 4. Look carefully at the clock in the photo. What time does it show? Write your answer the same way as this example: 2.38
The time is 12.22
